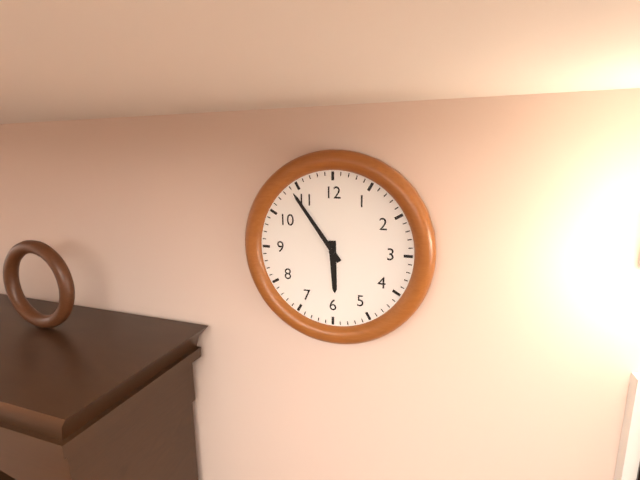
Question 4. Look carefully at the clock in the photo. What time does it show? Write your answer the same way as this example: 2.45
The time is 5.54
